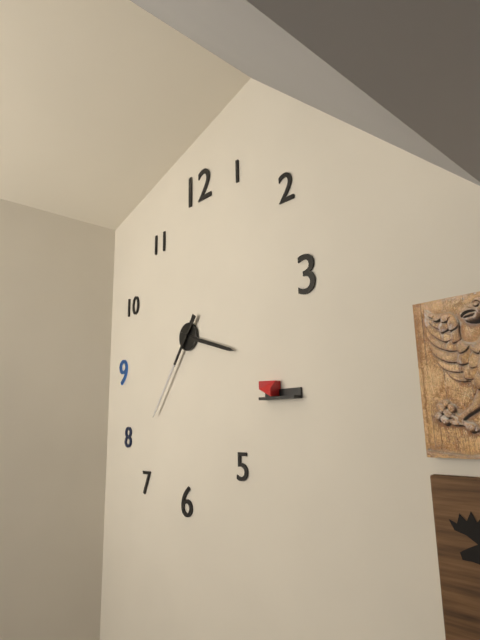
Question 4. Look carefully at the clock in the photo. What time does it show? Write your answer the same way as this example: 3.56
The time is 3.36
